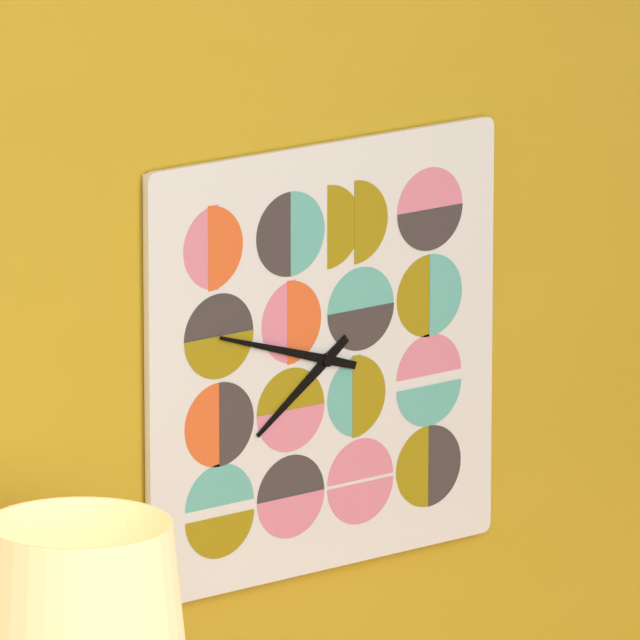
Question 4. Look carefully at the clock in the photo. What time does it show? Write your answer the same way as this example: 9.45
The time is 7.48
